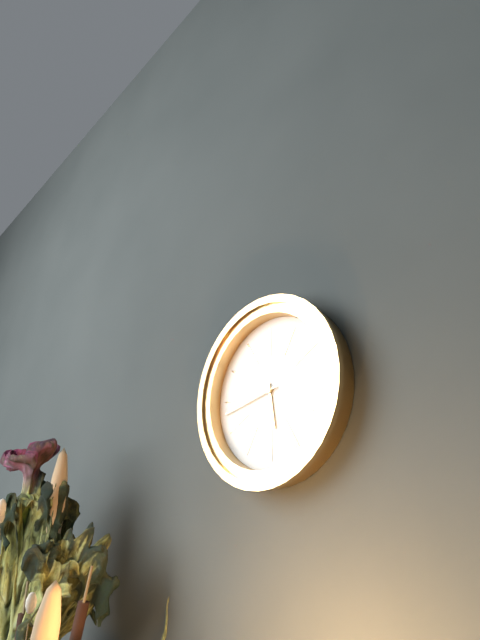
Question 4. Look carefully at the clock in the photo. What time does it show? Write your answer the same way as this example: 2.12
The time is 5.43
